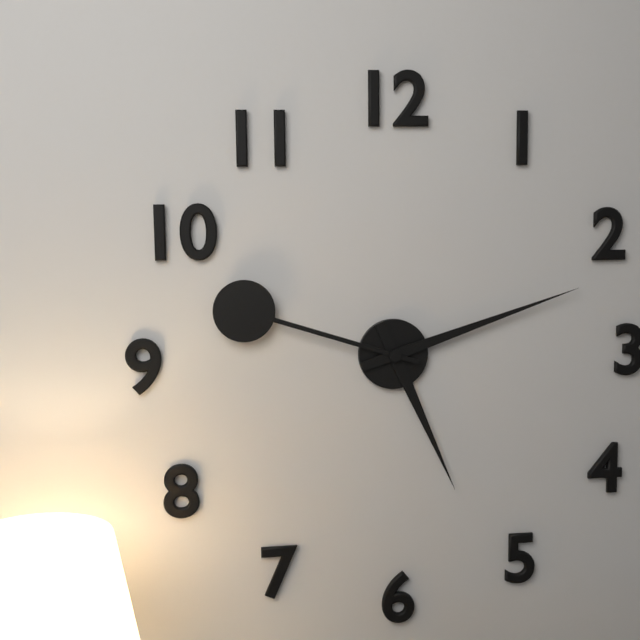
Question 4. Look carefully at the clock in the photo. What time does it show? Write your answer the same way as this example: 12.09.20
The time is 5.12.48
